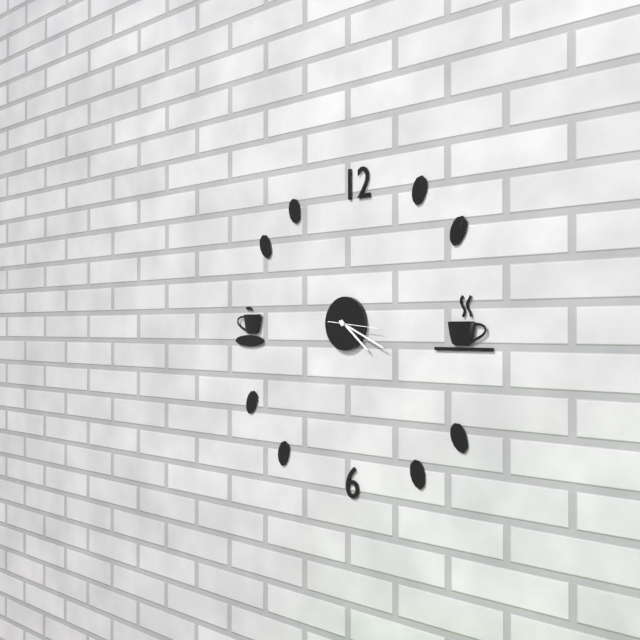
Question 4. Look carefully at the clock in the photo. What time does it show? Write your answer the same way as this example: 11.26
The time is 4.19
